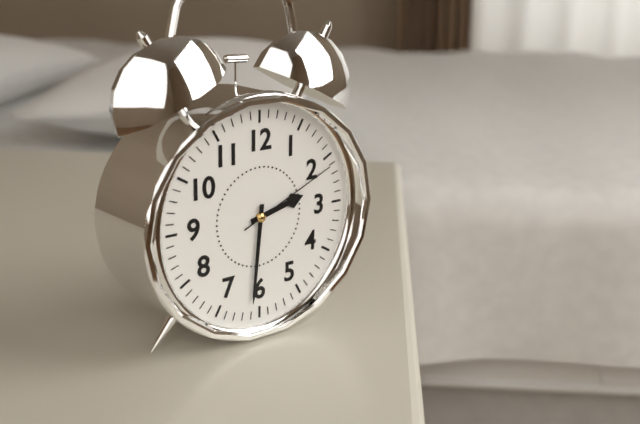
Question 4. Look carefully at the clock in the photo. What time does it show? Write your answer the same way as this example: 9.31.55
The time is 2.31.11
